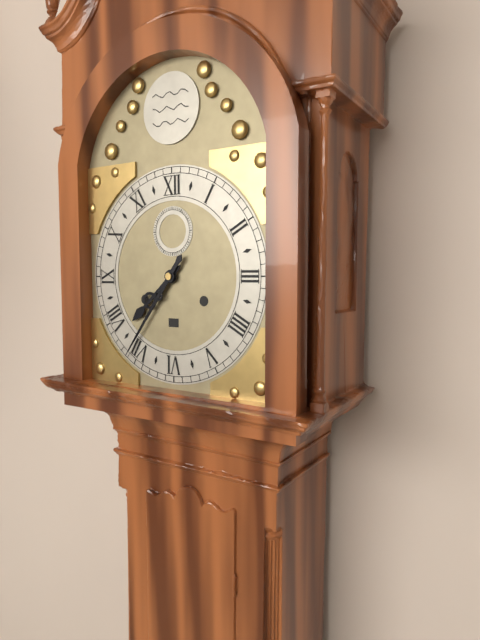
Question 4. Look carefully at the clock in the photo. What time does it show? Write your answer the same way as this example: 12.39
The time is 7.36
